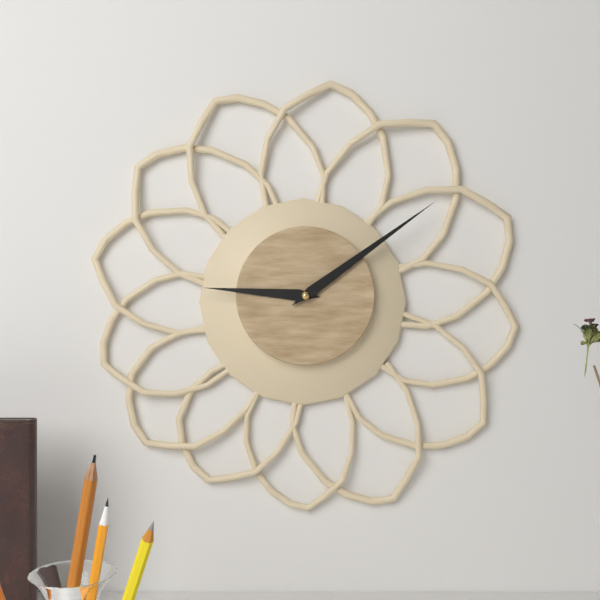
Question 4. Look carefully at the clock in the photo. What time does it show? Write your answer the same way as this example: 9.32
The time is 9.09
